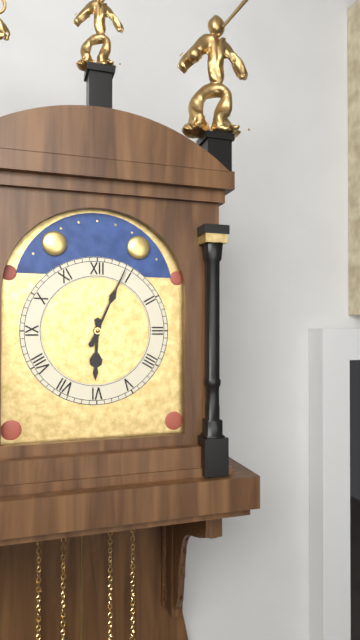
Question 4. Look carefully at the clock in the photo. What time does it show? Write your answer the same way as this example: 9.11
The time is 6.04
